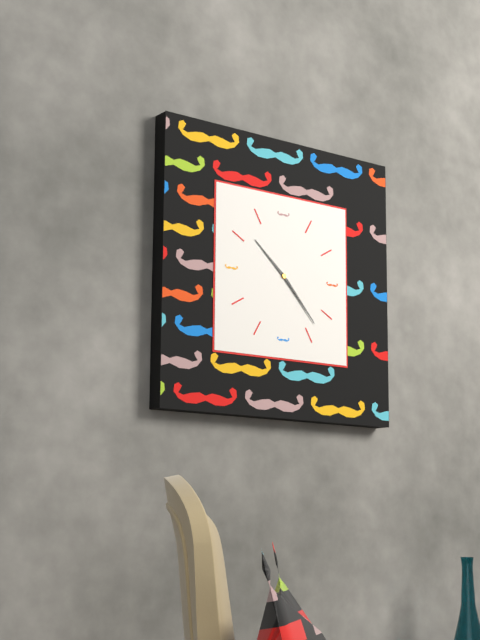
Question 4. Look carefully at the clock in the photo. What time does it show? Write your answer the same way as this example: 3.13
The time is 10.23
